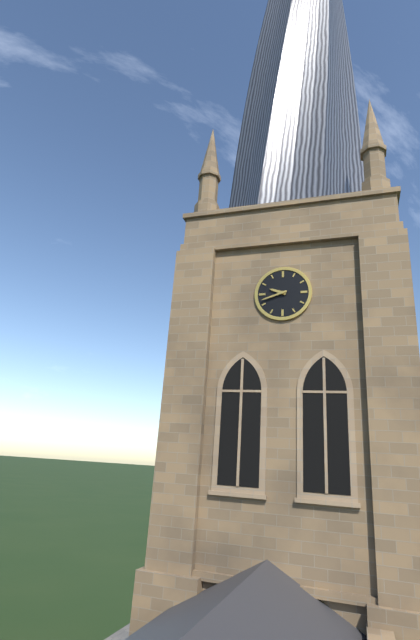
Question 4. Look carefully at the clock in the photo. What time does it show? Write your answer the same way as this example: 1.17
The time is 9.42
